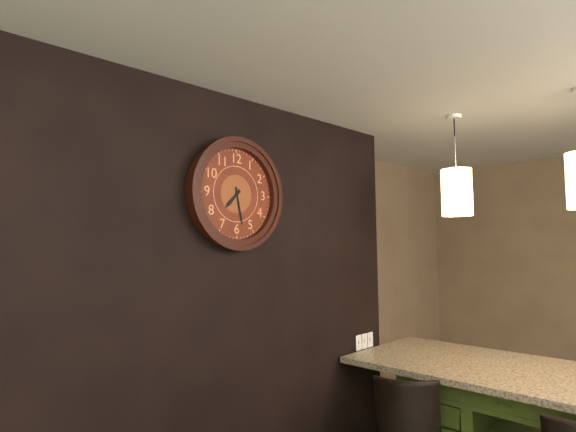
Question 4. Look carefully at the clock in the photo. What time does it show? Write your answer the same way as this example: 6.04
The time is 7.28
